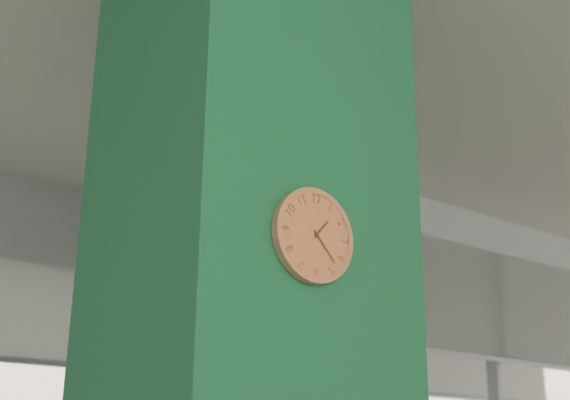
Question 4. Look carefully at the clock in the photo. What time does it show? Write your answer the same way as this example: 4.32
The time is 1.23
